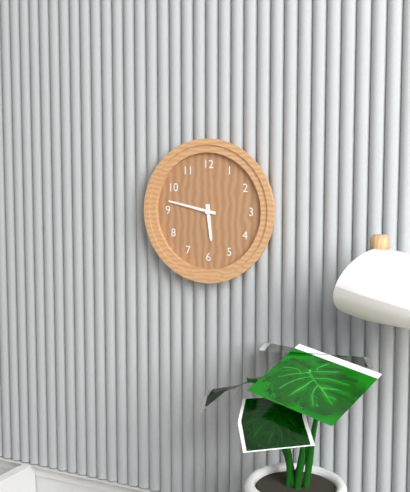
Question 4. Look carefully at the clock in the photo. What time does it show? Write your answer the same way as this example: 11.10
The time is 5.47
